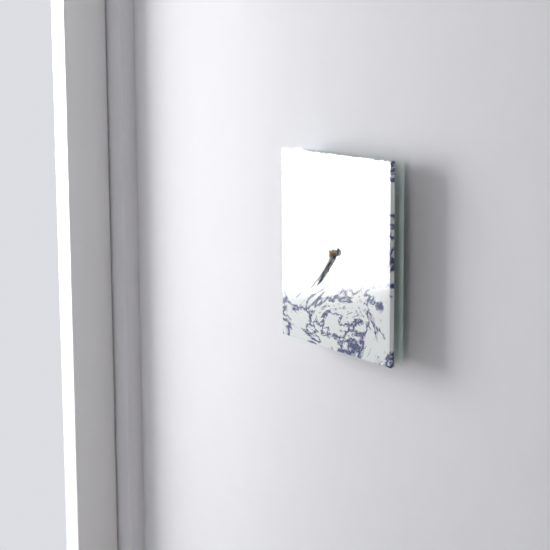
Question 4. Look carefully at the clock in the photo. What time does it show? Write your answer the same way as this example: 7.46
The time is 7.37
